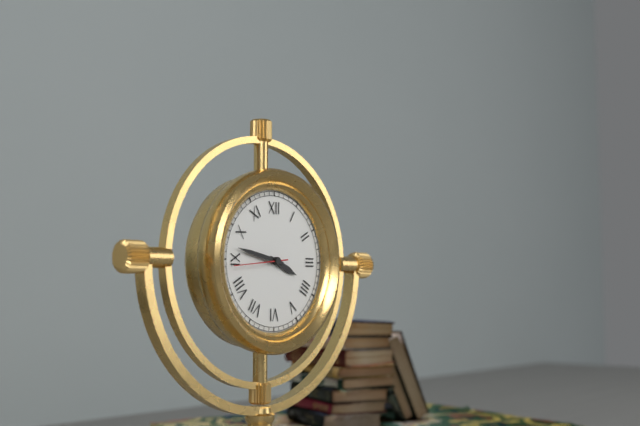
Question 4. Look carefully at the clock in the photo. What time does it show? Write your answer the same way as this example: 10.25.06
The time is 3.47.44
